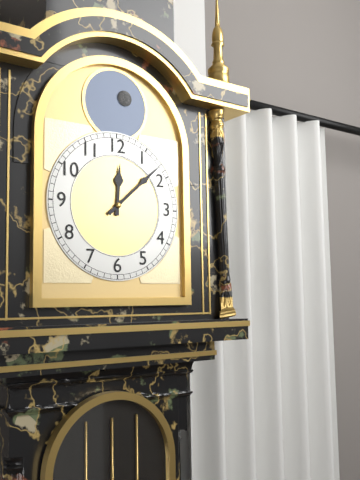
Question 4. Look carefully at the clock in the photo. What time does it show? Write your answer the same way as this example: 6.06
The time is 12.08
